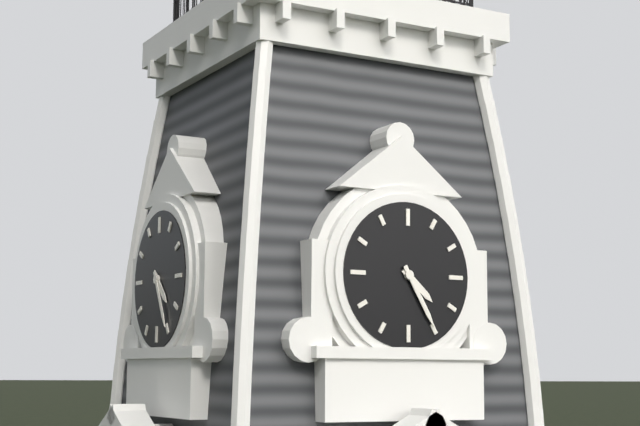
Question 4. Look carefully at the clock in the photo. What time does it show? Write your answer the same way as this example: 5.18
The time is 4.25
